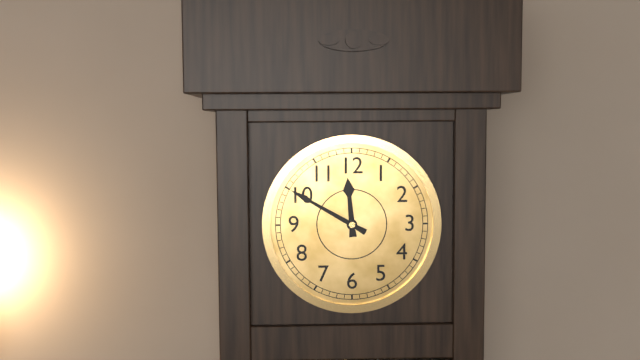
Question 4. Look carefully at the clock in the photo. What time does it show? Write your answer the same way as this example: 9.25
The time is 11.50
